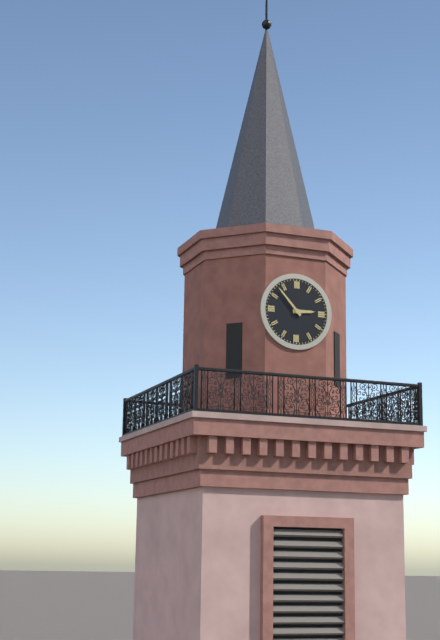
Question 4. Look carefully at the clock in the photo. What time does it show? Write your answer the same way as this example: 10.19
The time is 2.53
